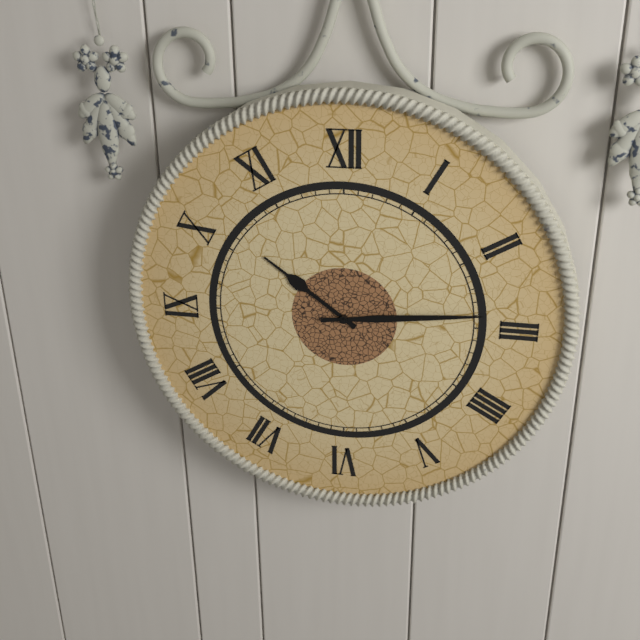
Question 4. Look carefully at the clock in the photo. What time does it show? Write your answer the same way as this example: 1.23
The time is 10.14
